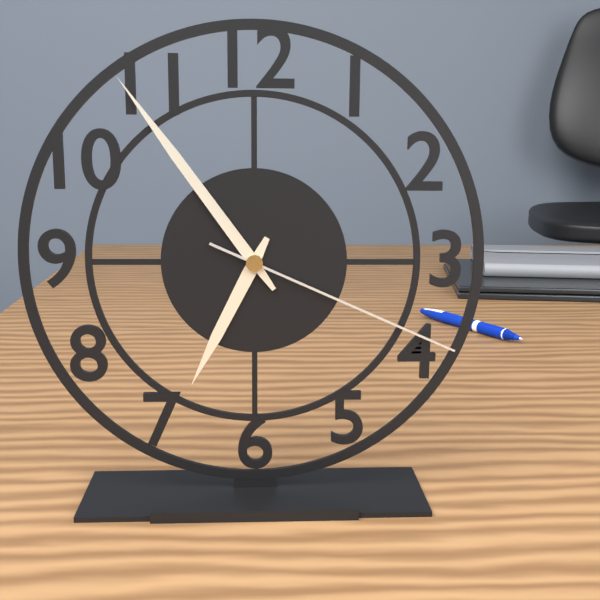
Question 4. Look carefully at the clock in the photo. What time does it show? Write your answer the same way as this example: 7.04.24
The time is 6.54.19
